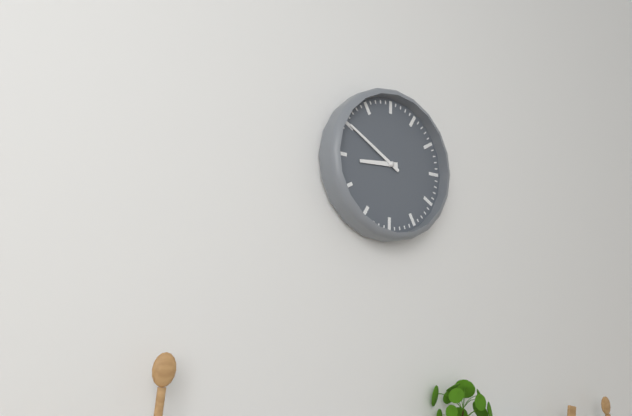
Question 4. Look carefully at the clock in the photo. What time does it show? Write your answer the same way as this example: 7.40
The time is 8.50
